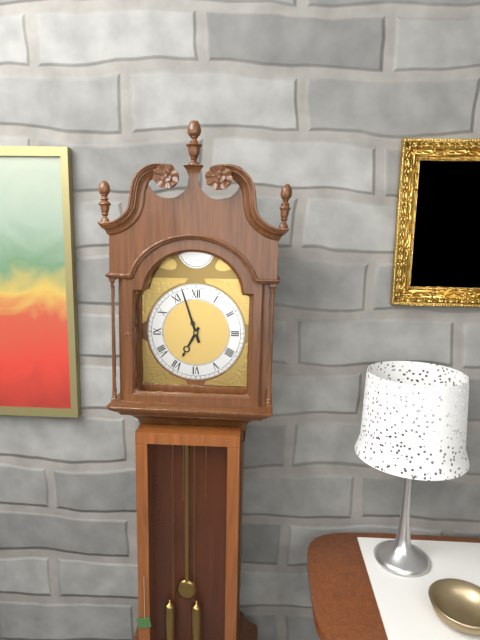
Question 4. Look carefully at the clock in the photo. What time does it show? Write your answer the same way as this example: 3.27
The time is 6.57
